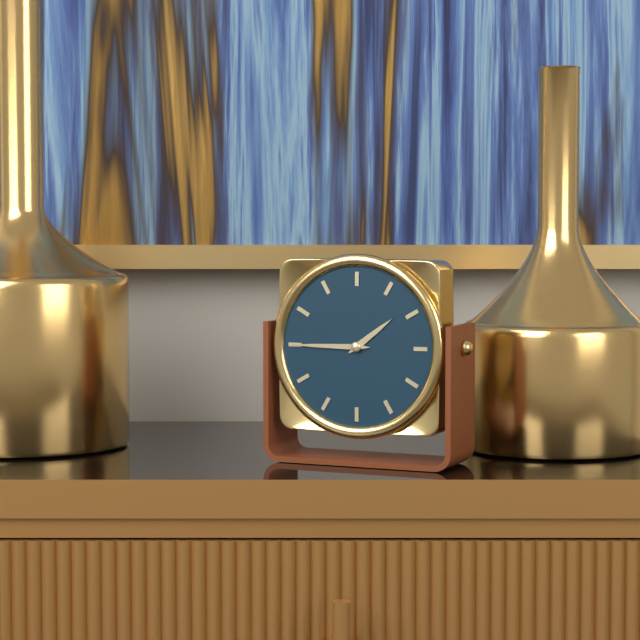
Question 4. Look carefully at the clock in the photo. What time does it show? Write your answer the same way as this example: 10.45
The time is 1.45
